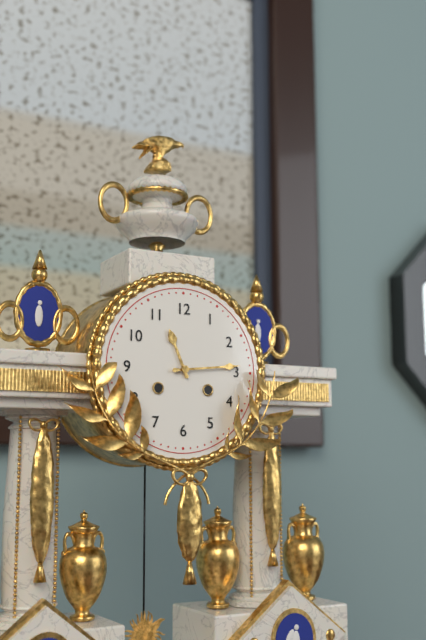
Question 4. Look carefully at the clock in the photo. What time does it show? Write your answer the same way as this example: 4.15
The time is 11.14
